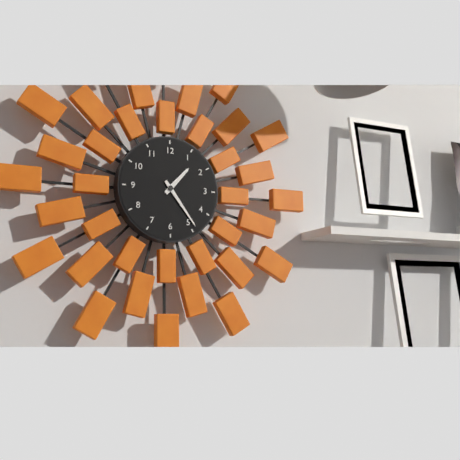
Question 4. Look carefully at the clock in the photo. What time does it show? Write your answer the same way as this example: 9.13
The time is 1.24
